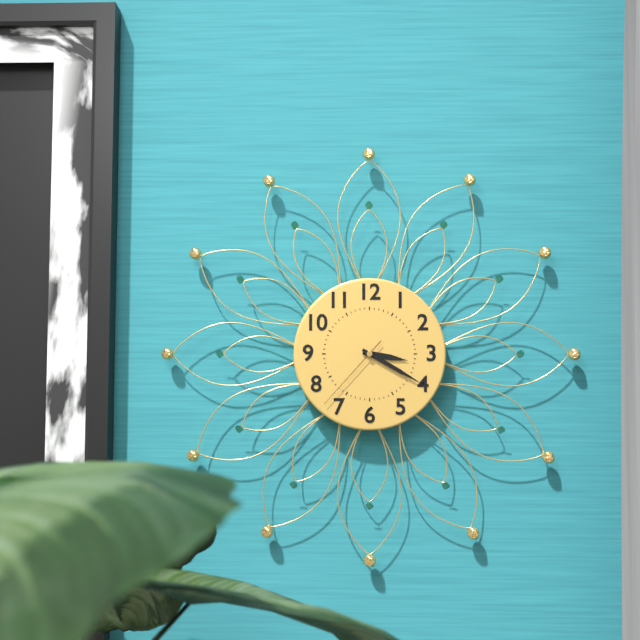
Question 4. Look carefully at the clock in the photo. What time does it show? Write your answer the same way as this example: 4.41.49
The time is 3.20.37
